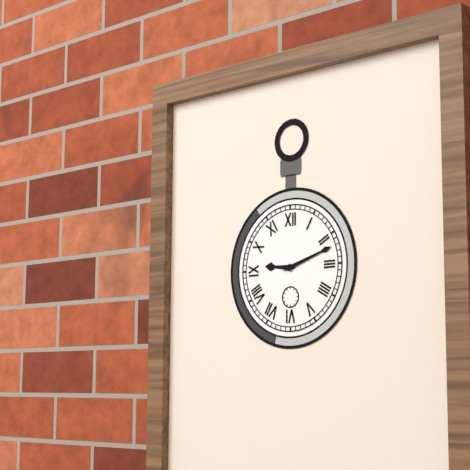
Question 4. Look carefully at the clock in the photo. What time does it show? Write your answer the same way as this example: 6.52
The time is 9.12
